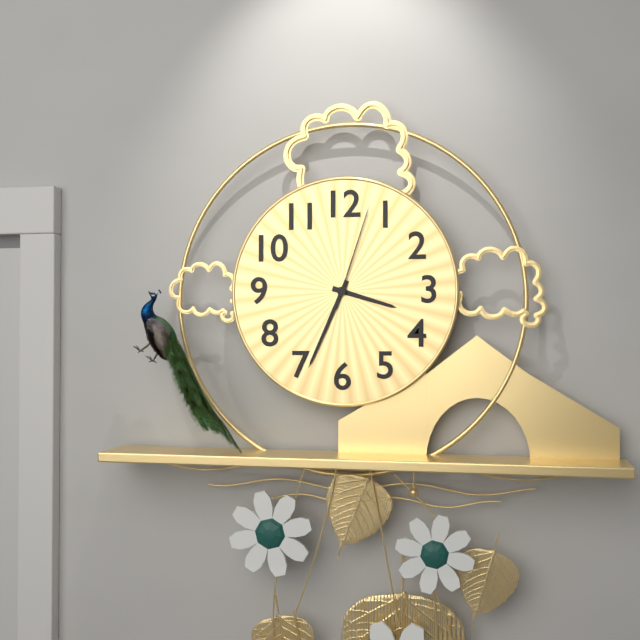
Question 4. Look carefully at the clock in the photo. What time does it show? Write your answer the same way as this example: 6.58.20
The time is 3.34.03
